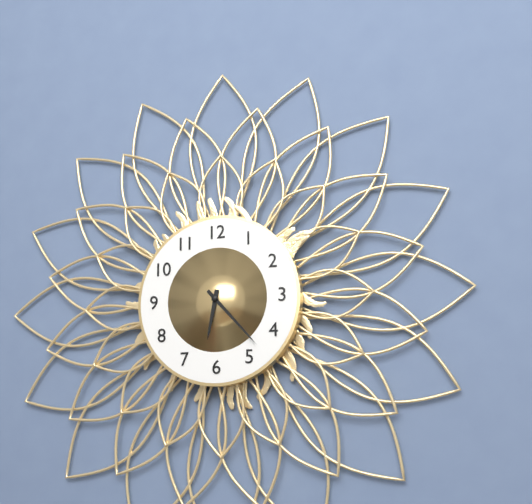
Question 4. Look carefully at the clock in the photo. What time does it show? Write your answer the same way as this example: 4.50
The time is 6.23
